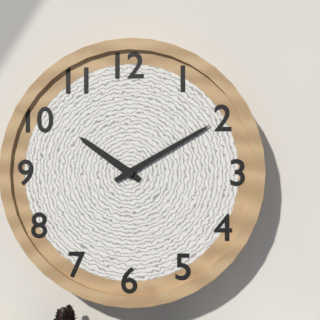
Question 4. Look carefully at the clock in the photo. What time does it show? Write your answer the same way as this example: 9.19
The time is 10.10
